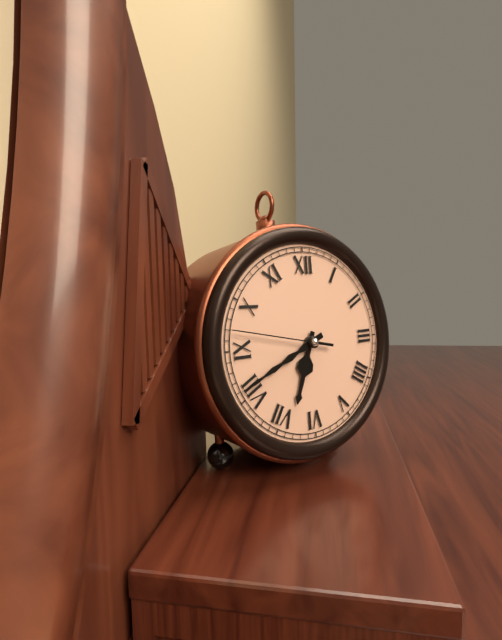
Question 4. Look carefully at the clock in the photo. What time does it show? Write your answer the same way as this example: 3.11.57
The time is 6.41.47
